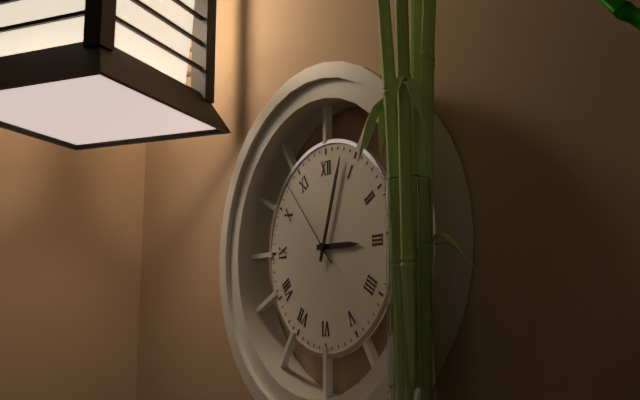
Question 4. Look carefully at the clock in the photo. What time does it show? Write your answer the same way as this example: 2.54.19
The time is 3.03.53
